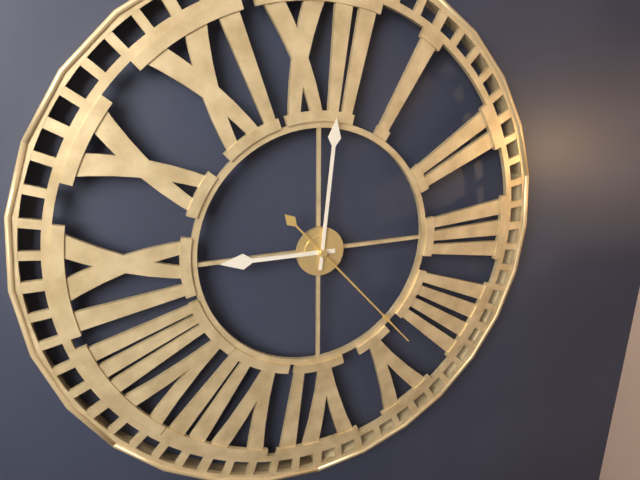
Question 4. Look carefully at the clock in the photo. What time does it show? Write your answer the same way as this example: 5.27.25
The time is 9.01.23
